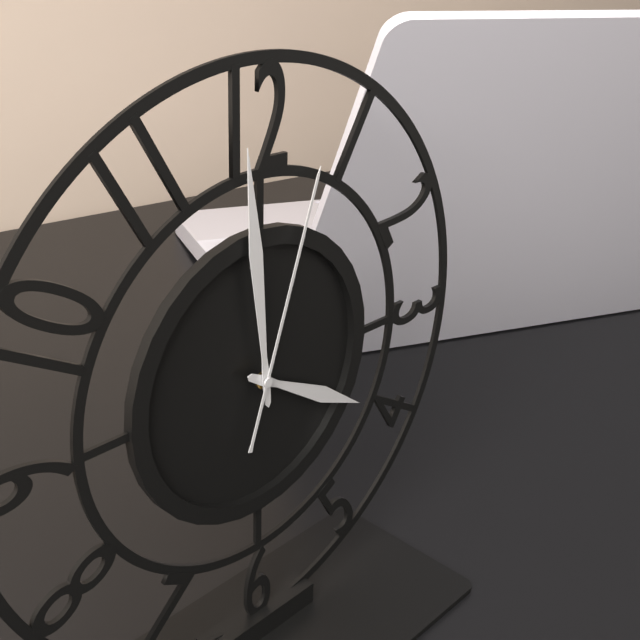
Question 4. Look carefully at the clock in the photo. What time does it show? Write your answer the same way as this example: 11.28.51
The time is 3.59.03
